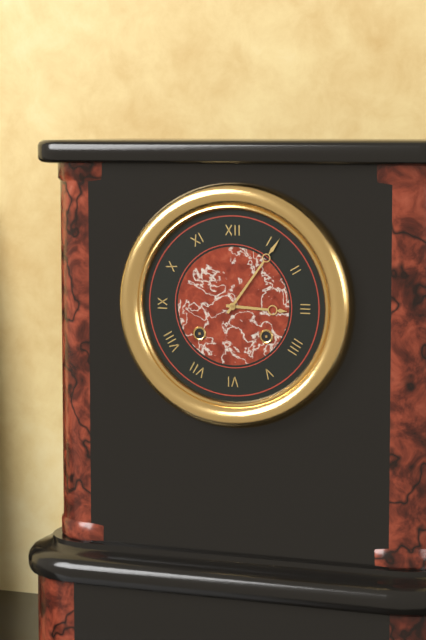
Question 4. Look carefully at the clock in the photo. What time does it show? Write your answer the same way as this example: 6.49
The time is 3.06
